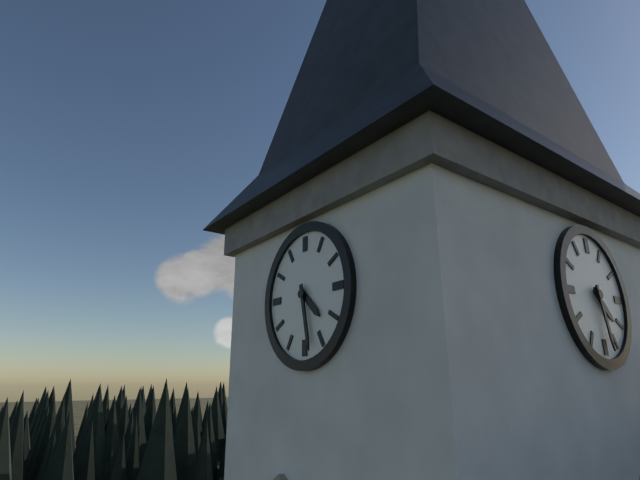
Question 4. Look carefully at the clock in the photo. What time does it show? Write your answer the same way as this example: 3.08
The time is 4.28
